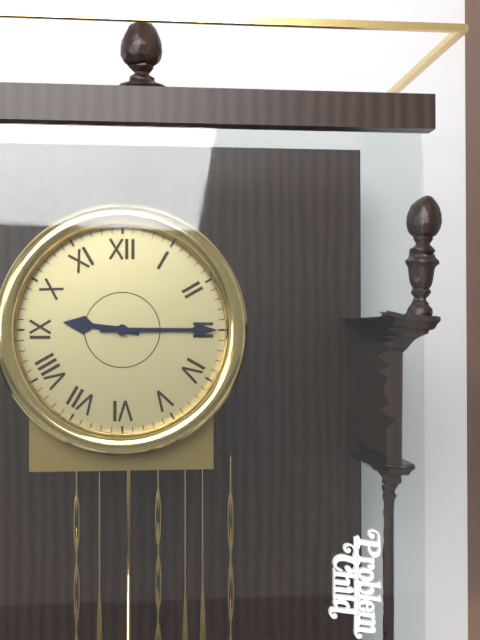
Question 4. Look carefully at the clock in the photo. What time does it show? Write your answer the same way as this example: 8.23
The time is 9.15
